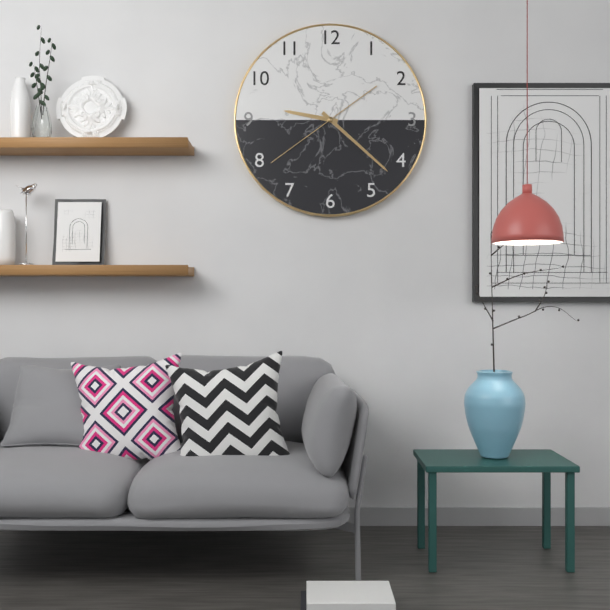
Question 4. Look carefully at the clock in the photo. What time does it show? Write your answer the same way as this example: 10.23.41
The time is 9.22.39
